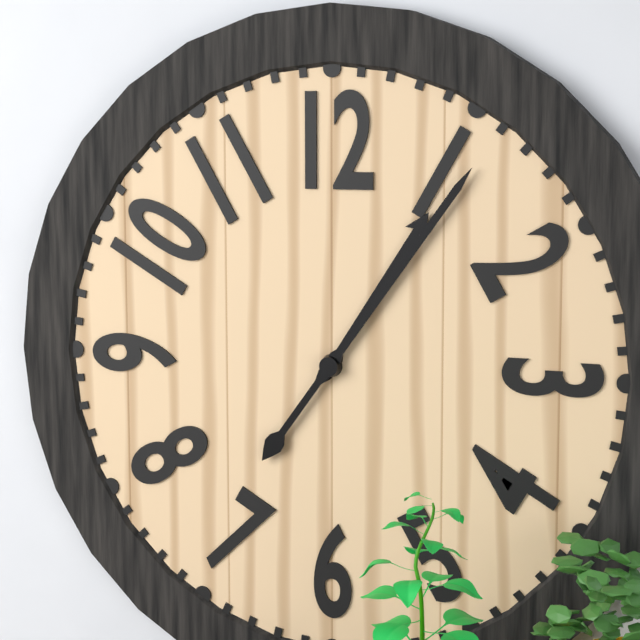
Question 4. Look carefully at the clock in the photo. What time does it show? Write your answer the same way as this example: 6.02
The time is 1.06
